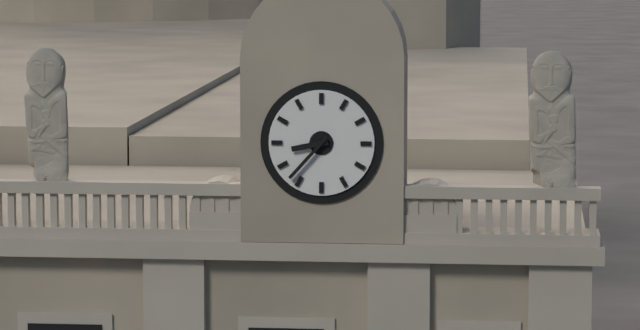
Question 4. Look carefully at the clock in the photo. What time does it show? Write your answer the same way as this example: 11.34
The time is 8.37
